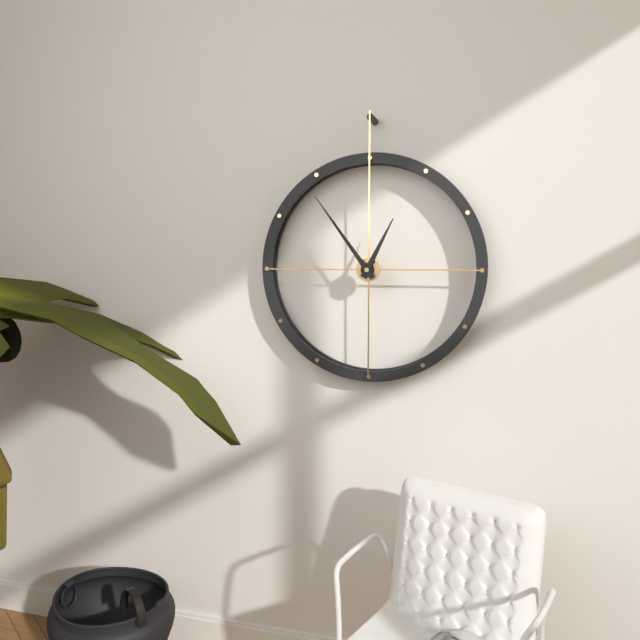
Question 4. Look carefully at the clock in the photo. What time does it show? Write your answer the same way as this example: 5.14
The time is 12.54
